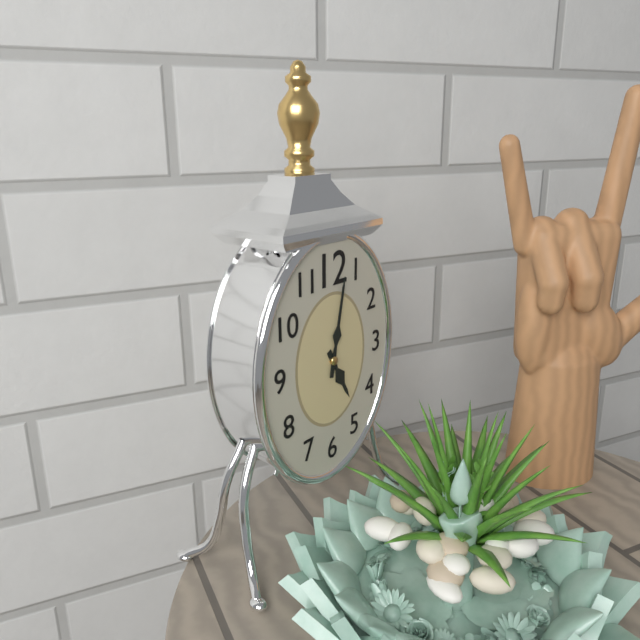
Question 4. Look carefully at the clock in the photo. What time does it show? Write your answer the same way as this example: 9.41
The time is 5.02
